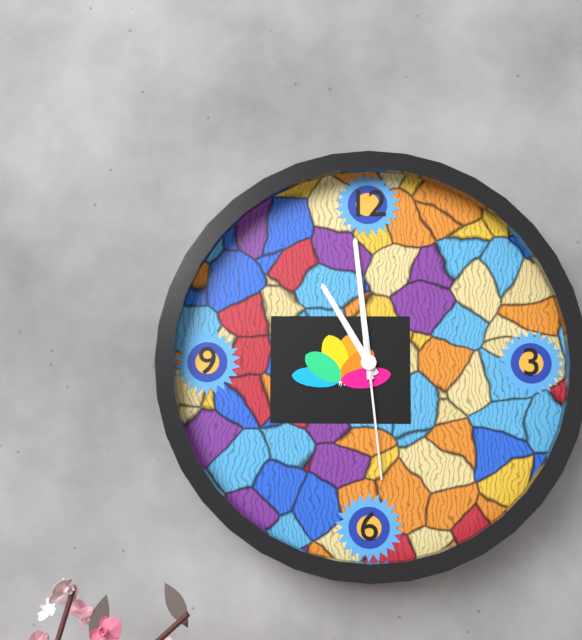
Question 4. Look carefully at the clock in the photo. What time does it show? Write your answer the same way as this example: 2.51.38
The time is 10.59.29
